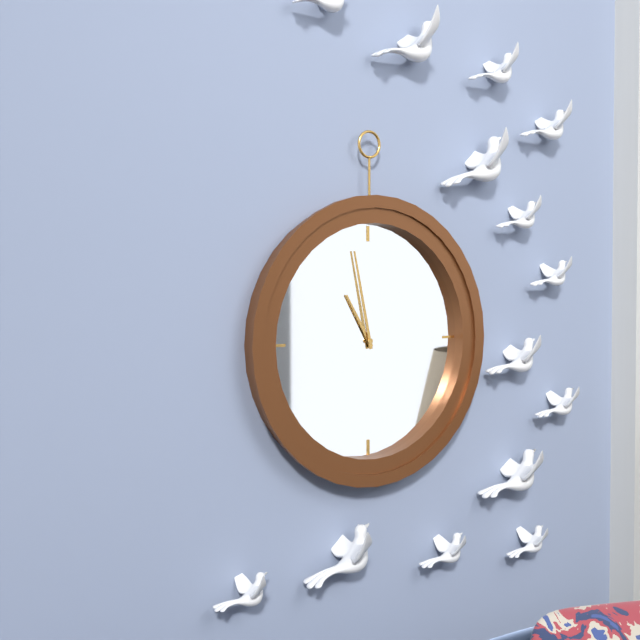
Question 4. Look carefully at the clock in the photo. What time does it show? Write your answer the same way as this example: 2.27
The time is 10.58
